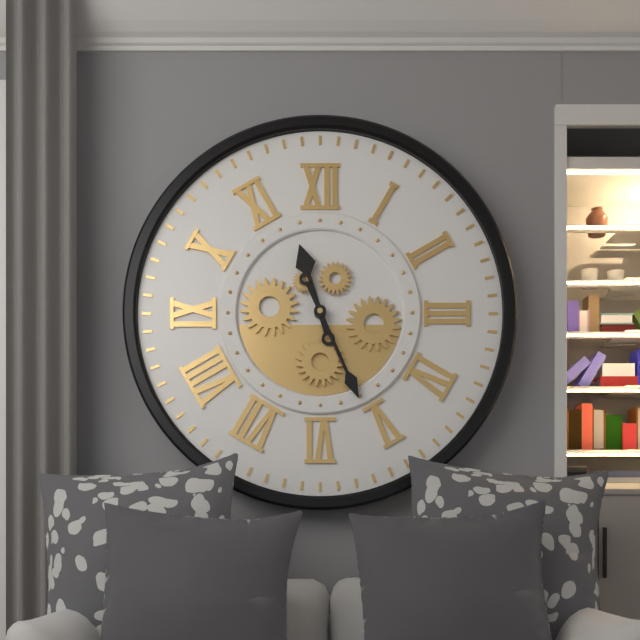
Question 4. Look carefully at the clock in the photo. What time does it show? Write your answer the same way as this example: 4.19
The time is 11.26
